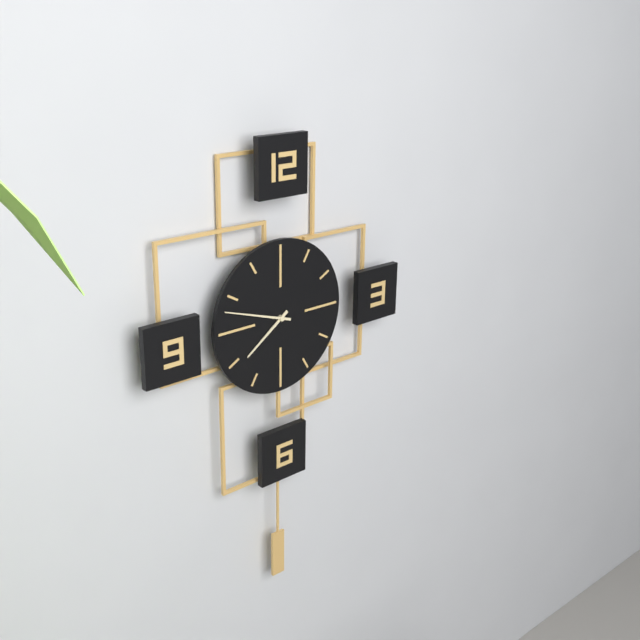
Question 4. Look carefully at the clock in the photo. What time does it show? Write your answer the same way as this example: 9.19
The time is 7.48
